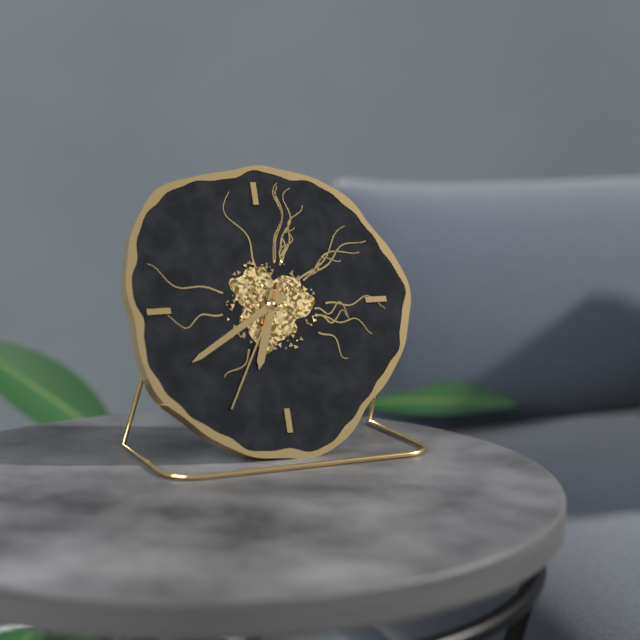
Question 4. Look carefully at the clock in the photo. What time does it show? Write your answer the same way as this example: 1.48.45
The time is 6.40.35
